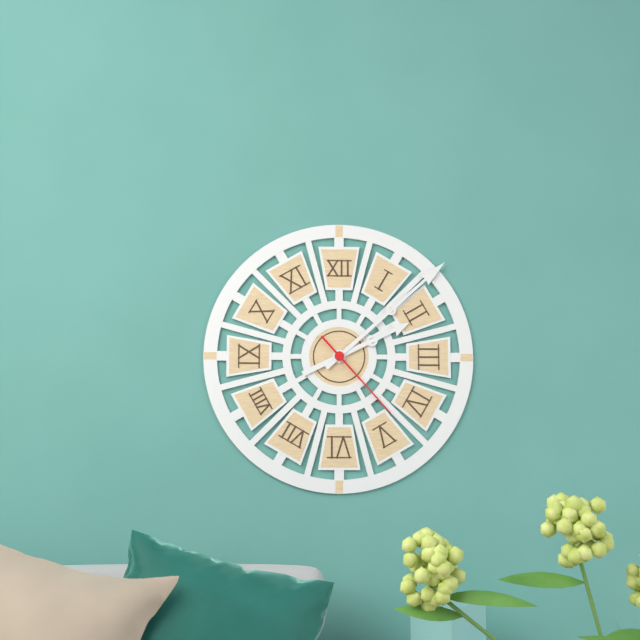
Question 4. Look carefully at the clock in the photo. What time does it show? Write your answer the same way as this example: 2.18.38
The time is 2.08.23
